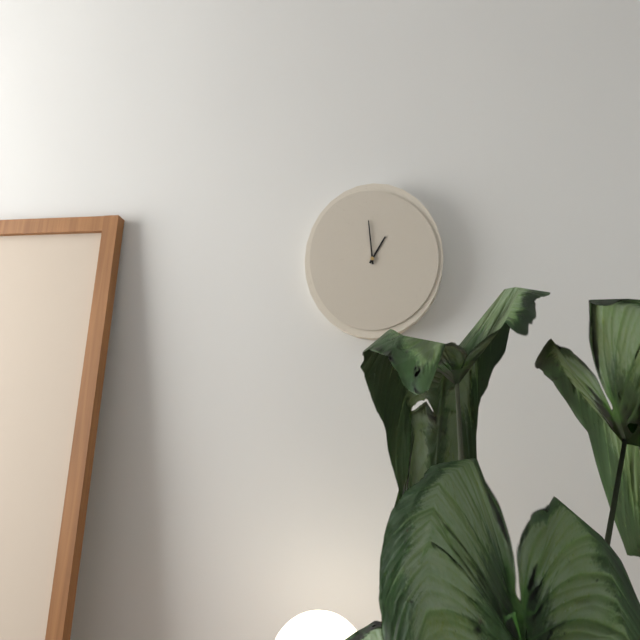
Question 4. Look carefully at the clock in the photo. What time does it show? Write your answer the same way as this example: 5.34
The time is 12.59
